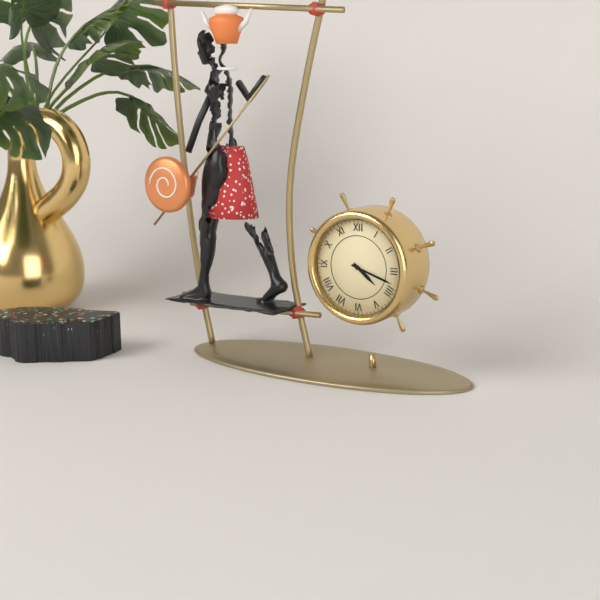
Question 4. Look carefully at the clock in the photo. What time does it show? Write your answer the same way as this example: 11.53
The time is 4.18
